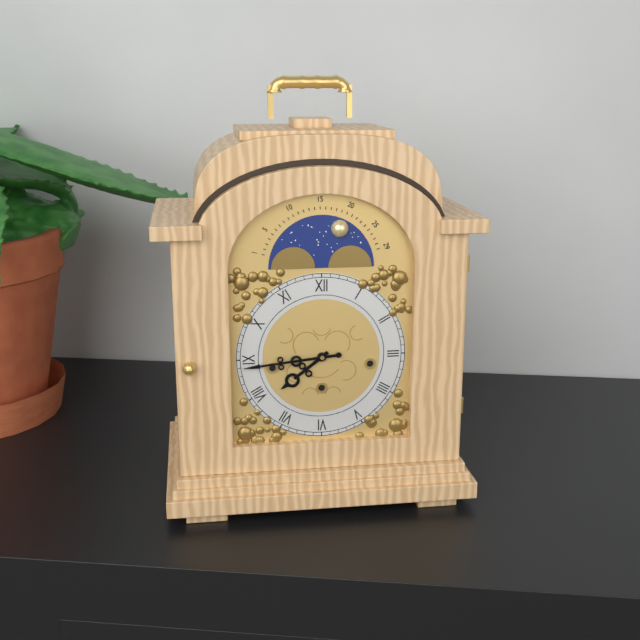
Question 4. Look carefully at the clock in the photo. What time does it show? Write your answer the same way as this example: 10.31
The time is 7.44
